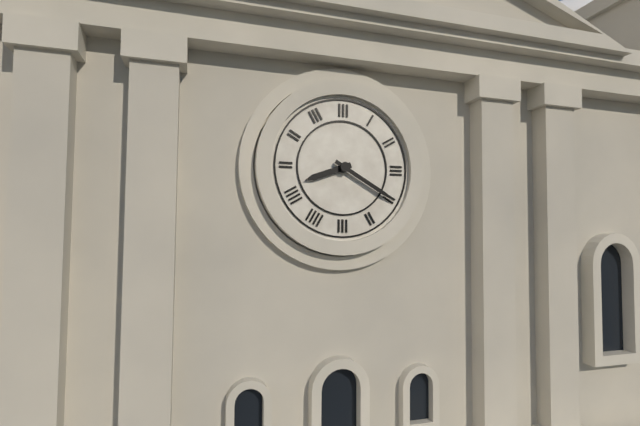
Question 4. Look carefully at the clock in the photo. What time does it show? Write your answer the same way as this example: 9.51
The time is 8.20
